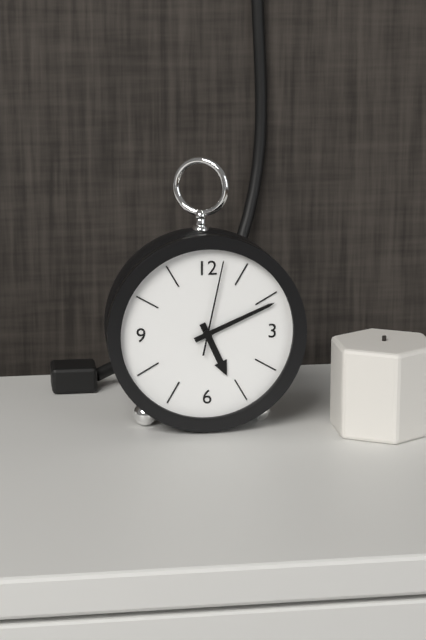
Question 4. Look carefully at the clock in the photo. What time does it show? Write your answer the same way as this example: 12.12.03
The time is 5.11.02
